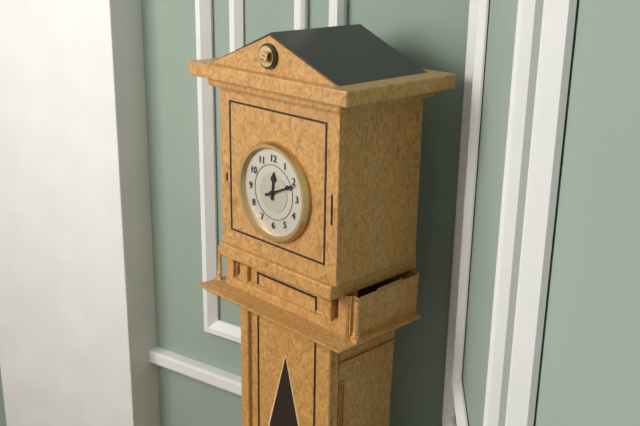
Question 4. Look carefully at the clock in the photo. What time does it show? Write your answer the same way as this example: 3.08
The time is 12.11
